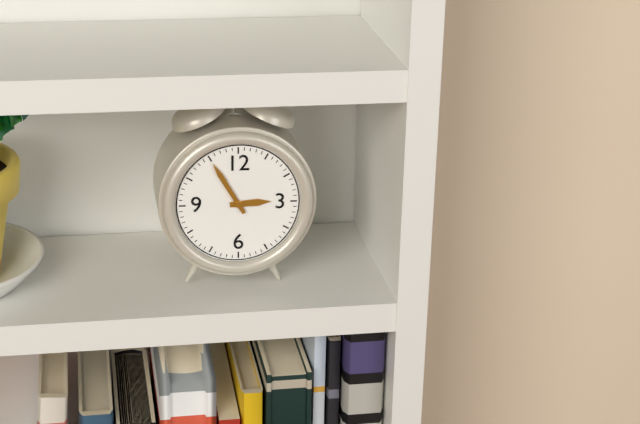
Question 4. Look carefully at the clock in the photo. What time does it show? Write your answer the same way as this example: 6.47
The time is 2.55
